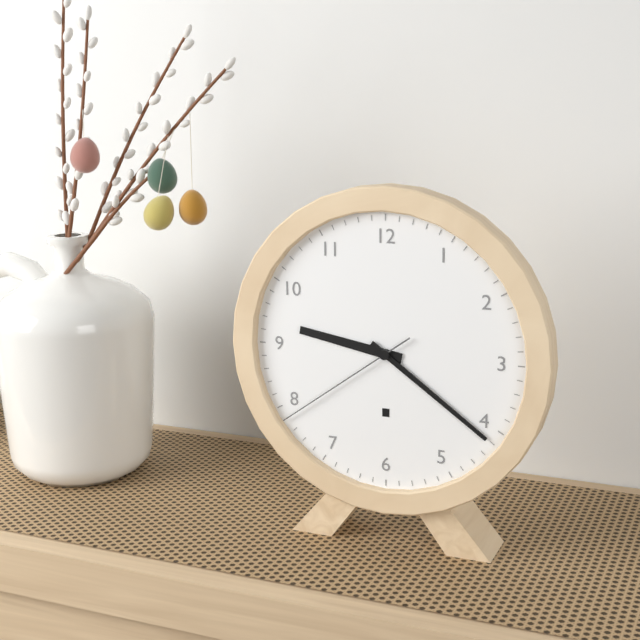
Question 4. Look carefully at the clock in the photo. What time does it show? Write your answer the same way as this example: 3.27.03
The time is 9.21.39
